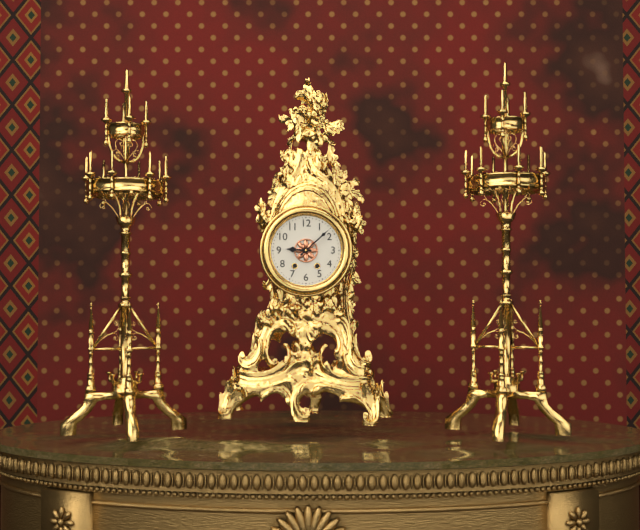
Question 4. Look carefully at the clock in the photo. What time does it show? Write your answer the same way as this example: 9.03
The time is 9.08
